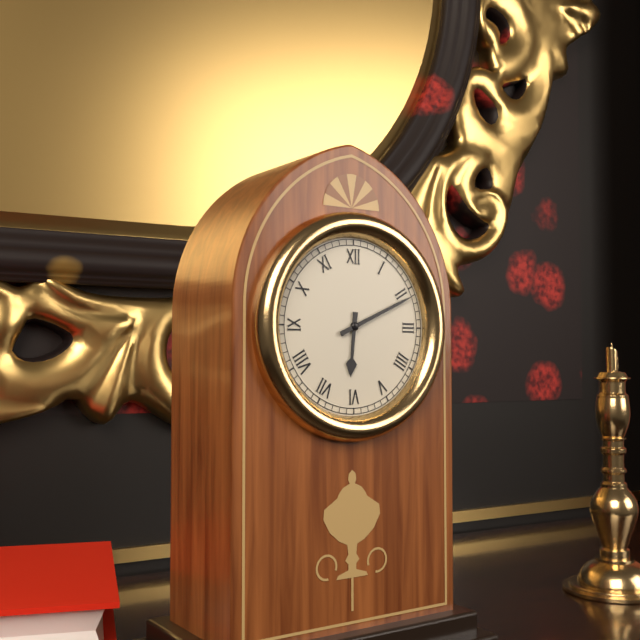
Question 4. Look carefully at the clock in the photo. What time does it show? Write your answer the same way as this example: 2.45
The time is 6.11
